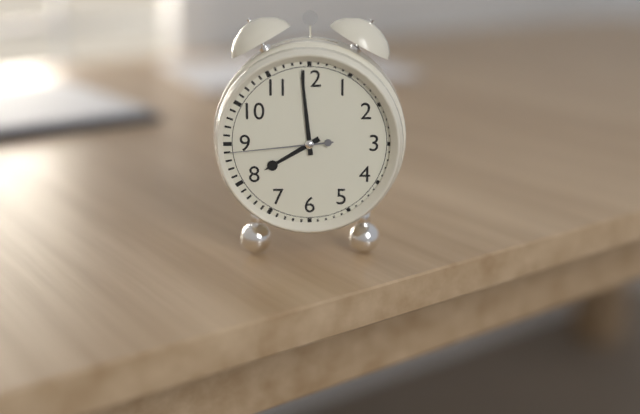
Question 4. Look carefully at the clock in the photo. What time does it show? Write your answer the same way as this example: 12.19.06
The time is 7.59.44
